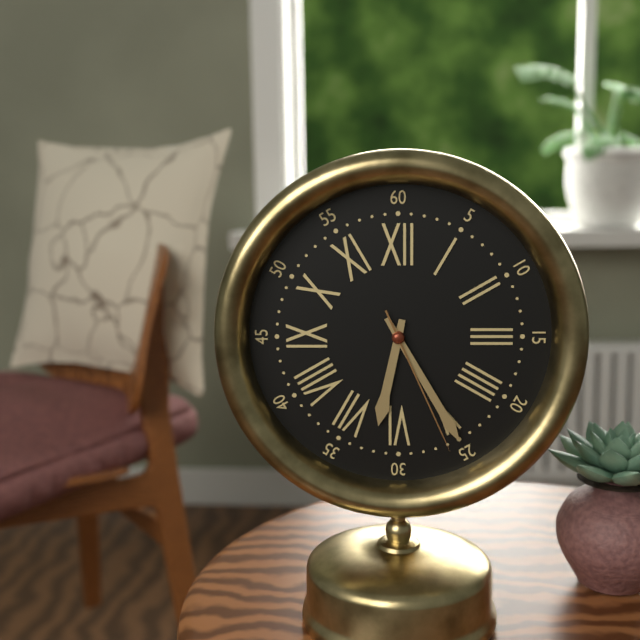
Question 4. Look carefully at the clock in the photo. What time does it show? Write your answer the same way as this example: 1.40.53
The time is 6.25.26
